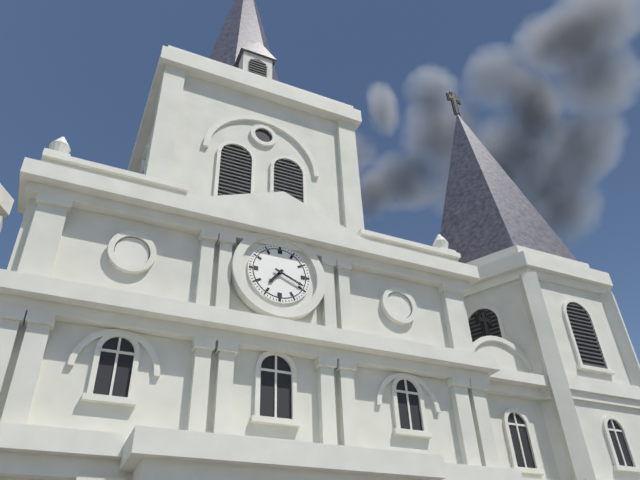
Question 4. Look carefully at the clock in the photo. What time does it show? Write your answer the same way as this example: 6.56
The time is 7.19
